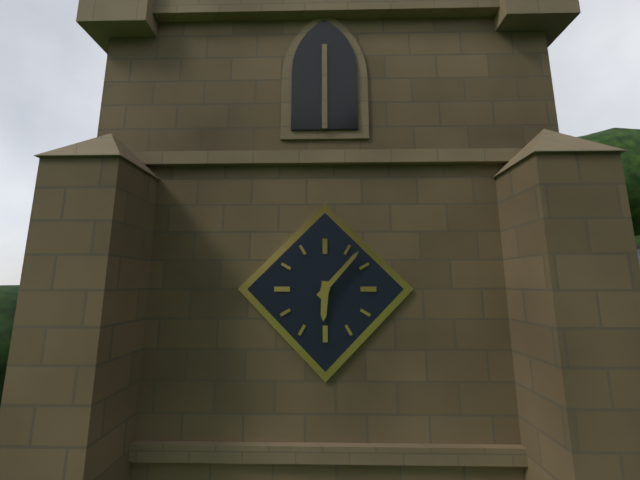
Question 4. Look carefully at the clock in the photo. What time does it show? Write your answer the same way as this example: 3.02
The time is 6.07
